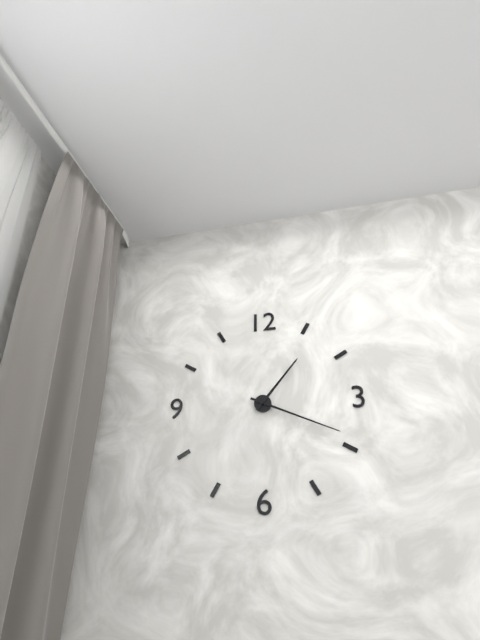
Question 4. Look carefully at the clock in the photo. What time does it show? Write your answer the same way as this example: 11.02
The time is 1.19
